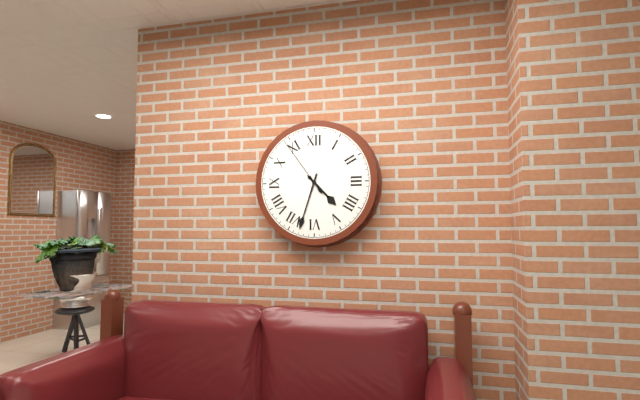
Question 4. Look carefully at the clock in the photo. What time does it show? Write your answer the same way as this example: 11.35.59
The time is 4.33.54
